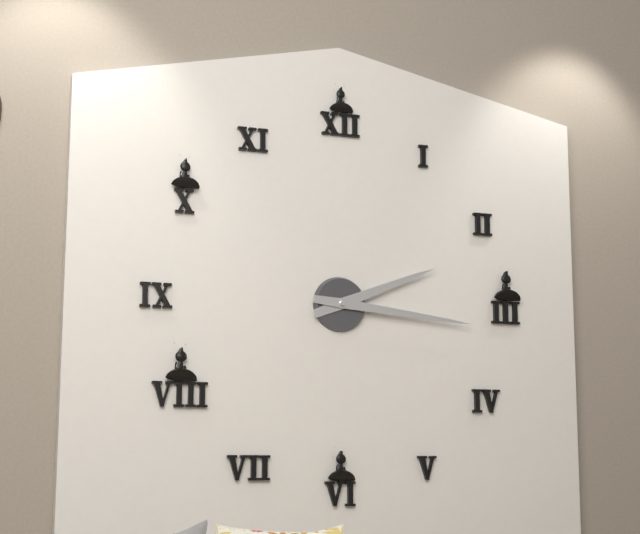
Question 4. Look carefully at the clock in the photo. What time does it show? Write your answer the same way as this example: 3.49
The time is 2.16
